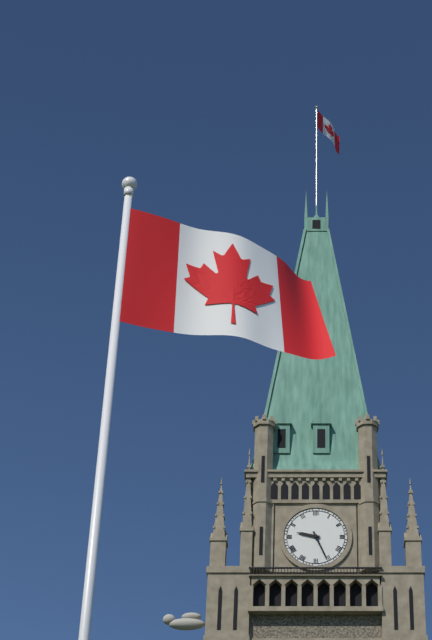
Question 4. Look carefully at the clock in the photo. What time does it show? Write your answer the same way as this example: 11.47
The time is 9.26
